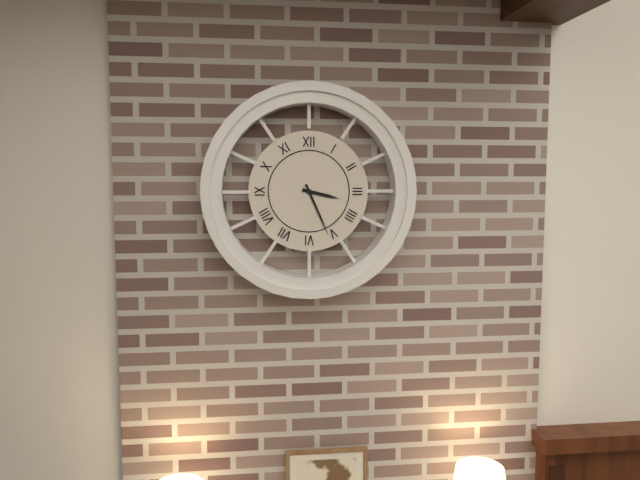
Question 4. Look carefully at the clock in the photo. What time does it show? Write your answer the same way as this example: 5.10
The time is 3.26
